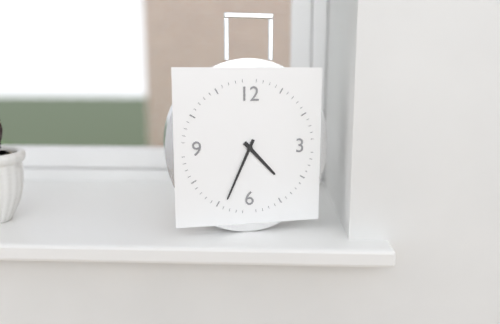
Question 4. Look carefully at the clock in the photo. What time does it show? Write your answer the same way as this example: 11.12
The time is 4.34
